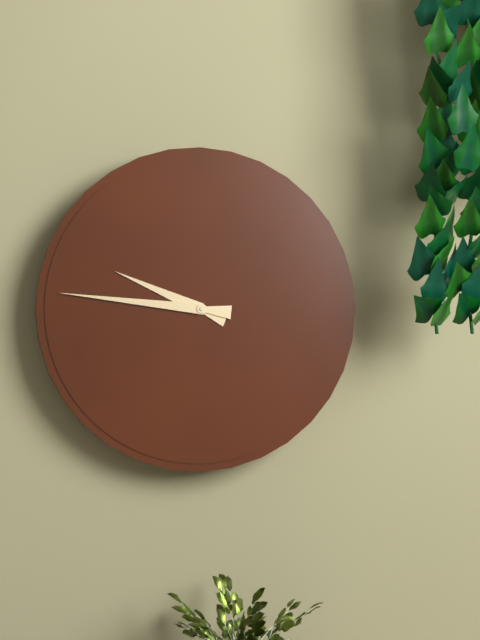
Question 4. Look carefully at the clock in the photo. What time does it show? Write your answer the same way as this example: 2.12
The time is 9.46
